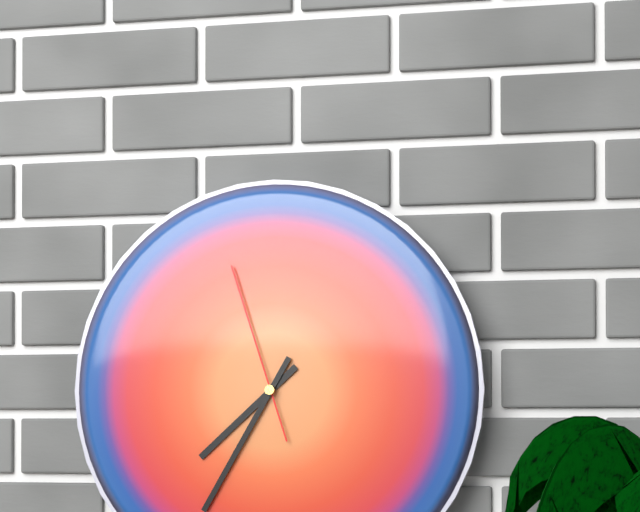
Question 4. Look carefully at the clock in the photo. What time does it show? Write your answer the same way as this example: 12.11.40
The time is 7.35.57
